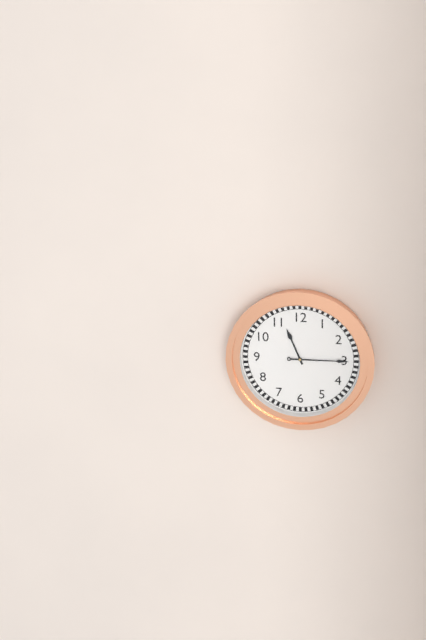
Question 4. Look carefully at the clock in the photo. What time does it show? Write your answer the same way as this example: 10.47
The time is 11.15
